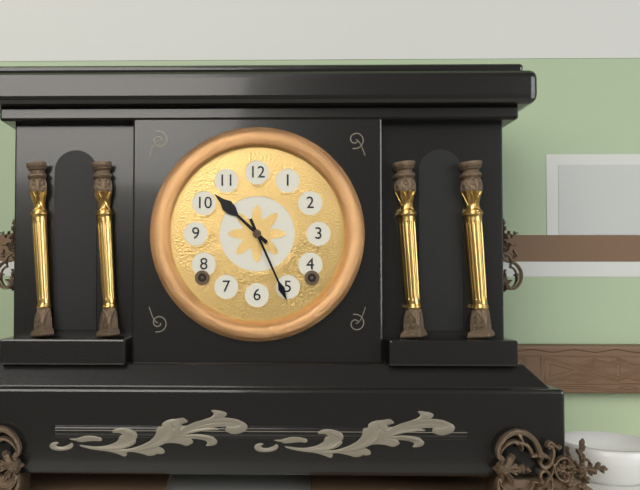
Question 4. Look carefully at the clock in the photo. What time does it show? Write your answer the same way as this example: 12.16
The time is 10.26
